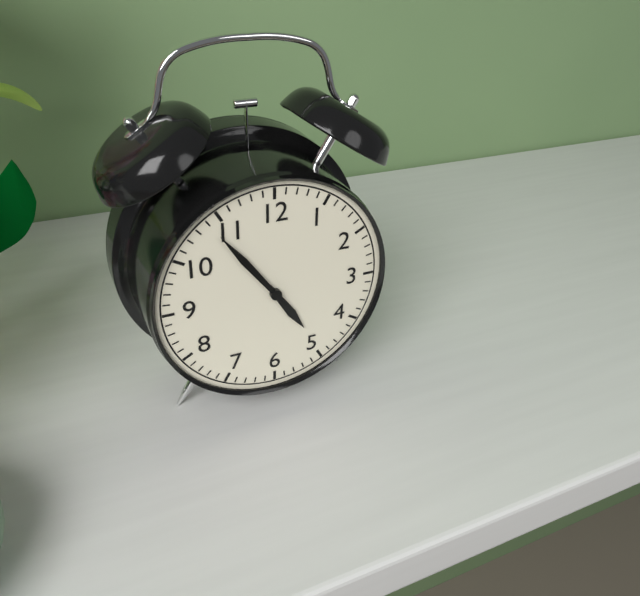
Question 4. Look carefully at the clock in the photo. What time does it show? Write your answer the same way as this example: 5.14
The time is 4.54
